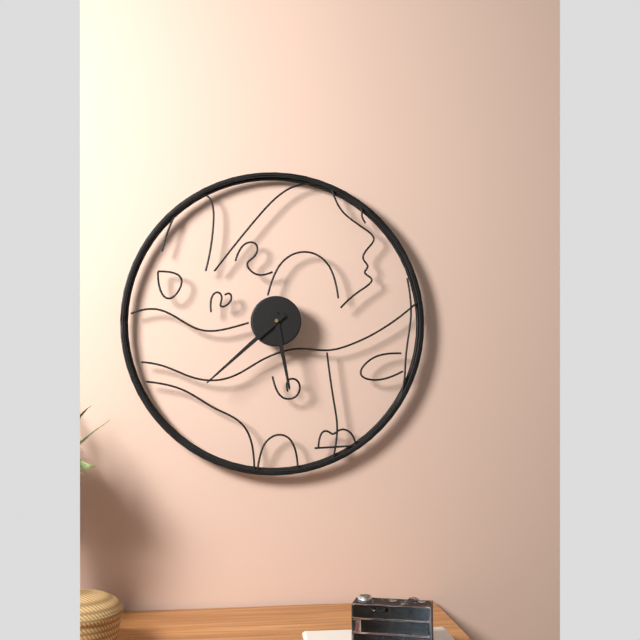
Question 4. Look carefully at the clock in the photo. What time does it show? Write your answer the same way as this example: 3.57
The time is 5.38
